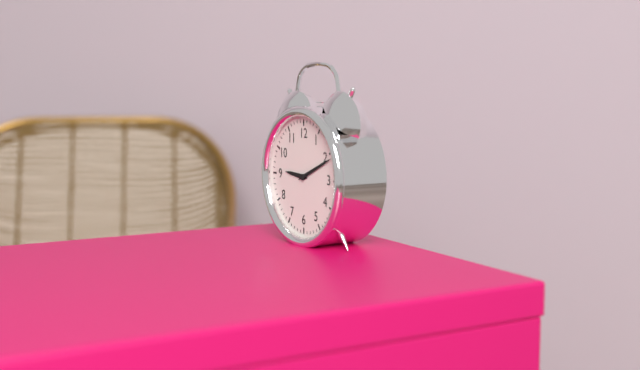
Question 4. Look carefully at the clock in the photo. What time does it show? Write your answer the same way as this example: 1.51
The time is 9.11
